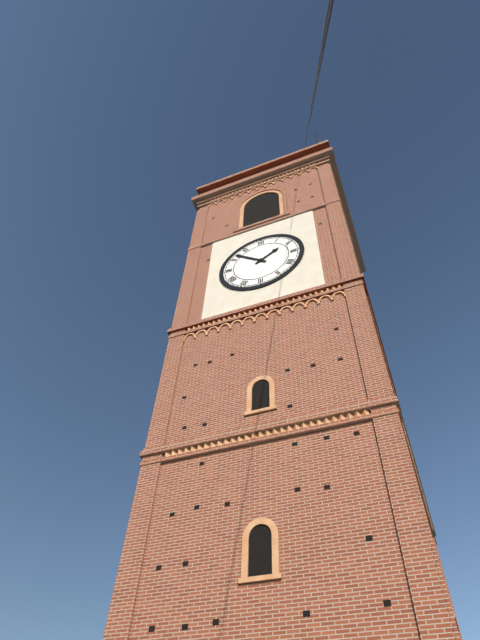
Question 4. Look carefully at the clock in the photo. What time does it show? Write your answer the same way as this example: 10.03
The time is 1.52
